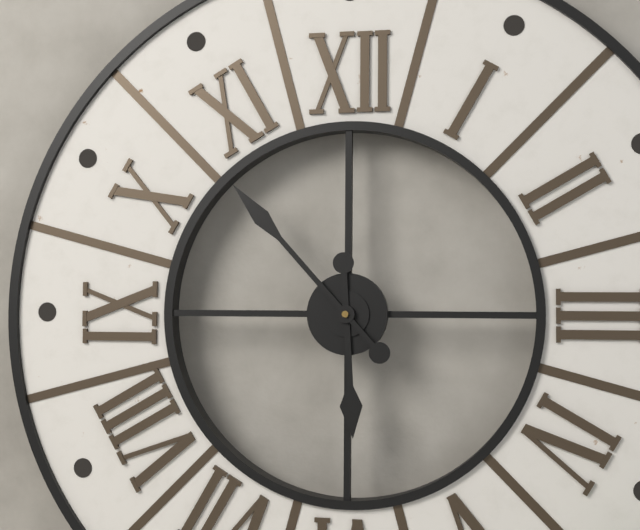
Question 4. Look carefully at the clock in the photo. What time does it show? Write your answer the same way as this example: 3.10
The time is 5.53
